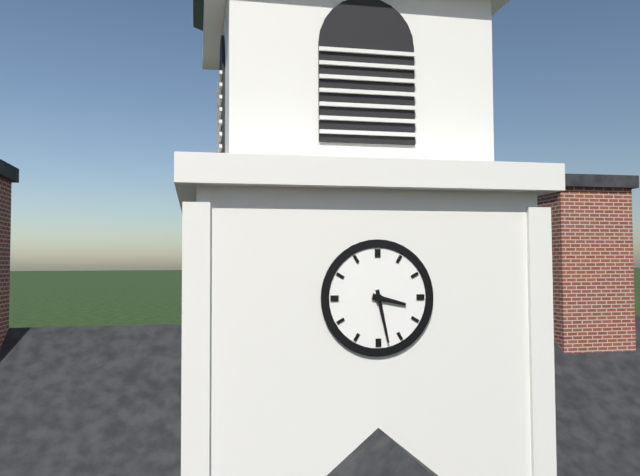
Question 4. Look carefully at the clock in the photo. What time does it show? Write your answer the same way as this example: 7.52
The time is 3.28
